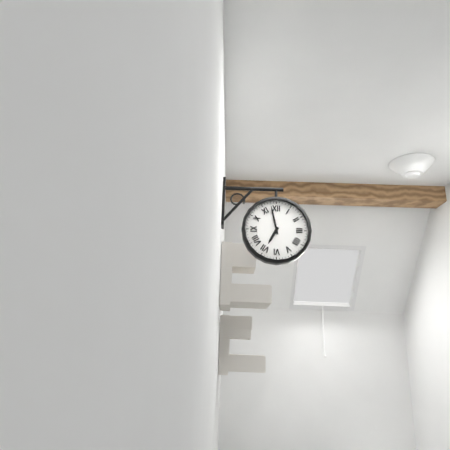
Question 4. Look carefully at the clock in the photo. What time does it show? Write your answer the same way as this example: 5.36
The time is 6.58
